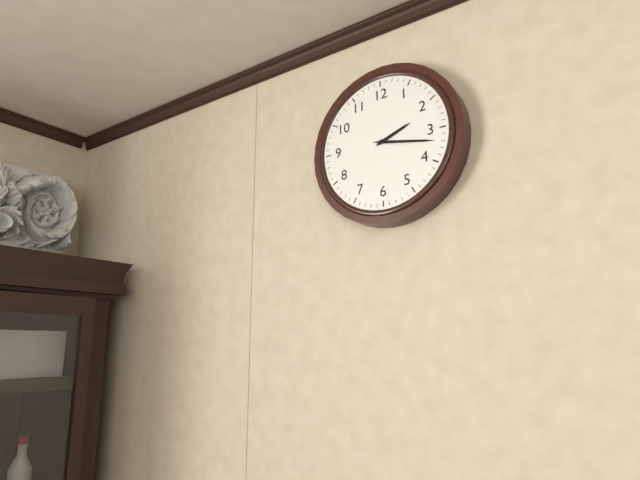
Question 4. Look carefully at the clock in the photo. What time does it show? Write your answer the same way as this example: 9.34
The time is 2.17
